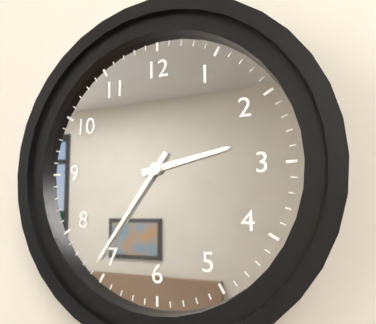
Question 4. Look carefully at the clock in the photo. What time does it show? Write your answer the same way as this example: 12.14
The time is 2.36
